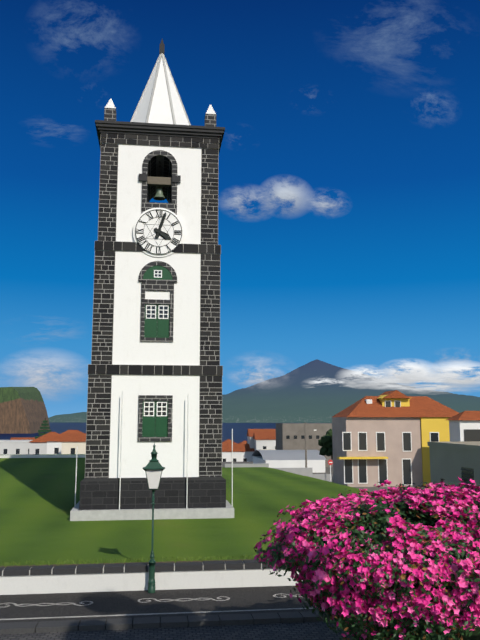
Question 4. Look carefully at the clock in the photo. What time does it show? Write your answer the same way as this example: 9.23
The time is 4.03
